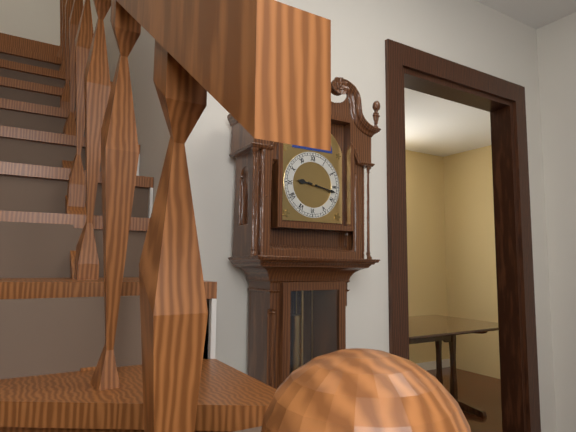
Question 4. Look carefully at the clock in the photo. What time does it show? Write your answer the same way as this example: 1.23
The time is 9.17
